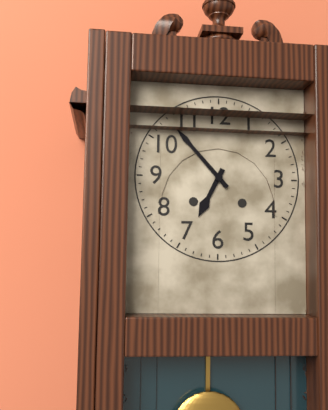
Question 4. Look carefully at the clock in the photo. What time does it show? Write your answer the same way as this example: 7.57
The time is 6.53
